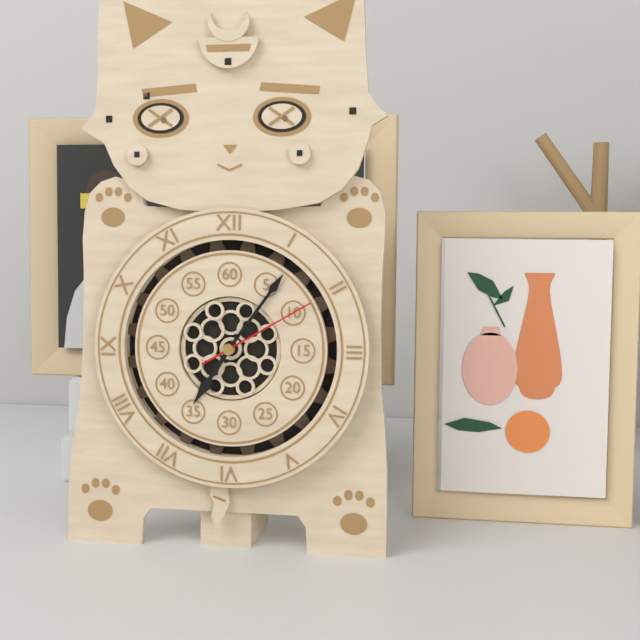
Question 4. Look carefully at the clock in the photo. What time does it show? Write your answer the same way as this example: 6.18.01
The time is 7.06.10
